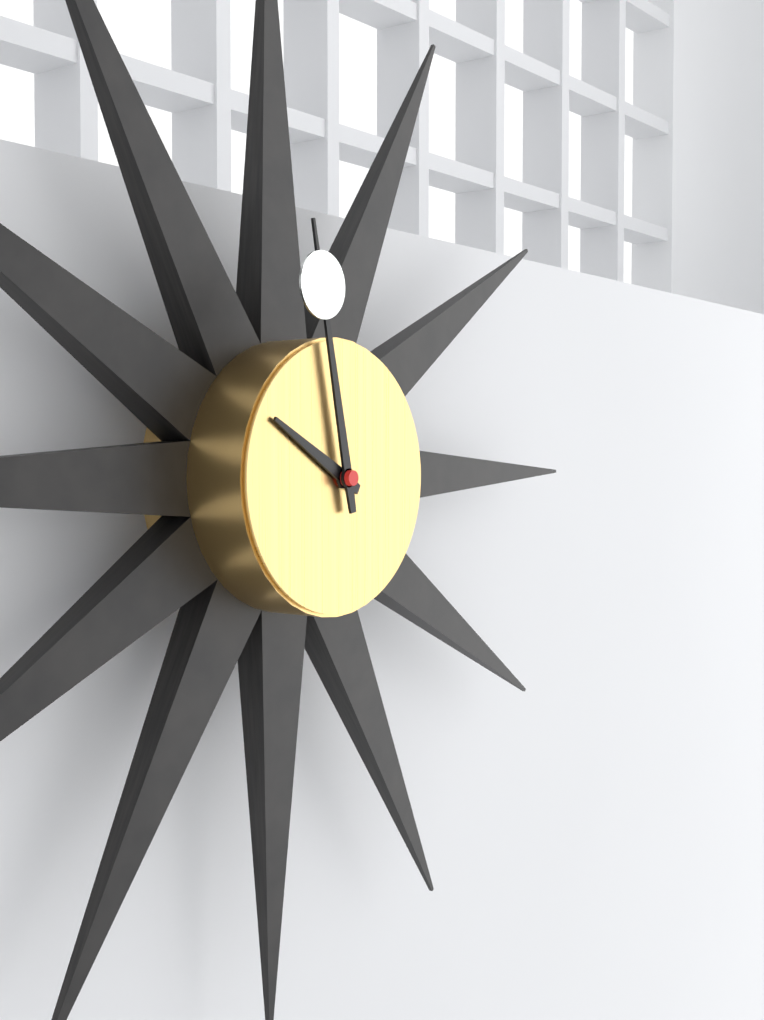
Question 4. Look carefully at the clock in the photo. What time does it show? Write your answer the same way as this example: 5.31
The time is 9.58
